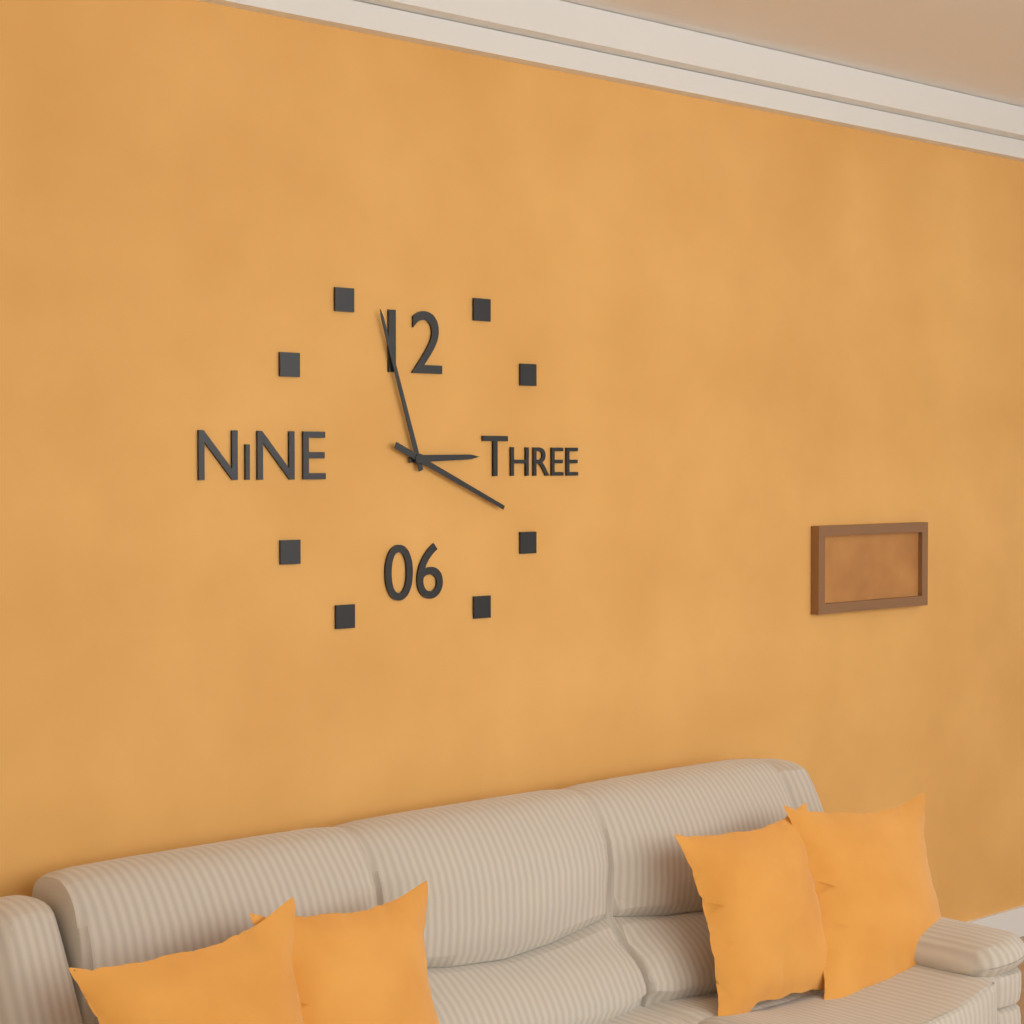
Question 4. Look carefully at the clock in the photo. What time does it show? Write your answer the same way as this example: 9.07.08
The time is 2.57.19
